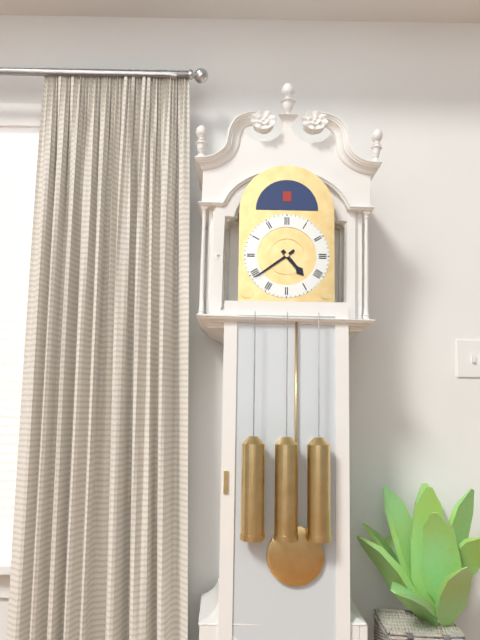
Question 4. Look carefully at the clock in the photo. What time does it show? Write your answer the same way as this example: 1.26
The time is 4.39
